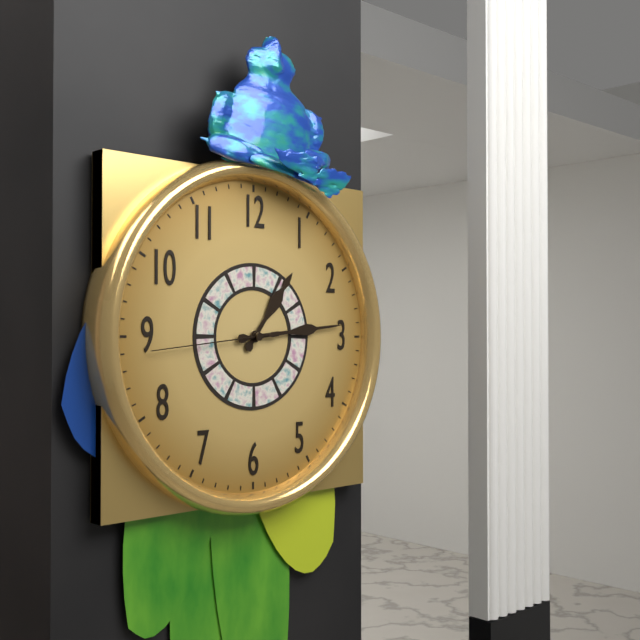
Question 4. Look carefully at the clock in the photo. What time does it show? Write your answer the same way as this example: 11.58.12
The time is 1.14.44
